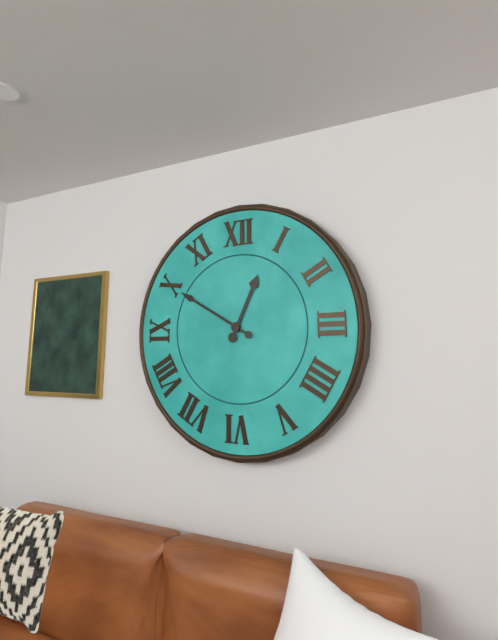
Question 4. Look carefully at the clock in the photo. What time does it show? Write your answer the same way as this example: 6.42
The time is 12.50
